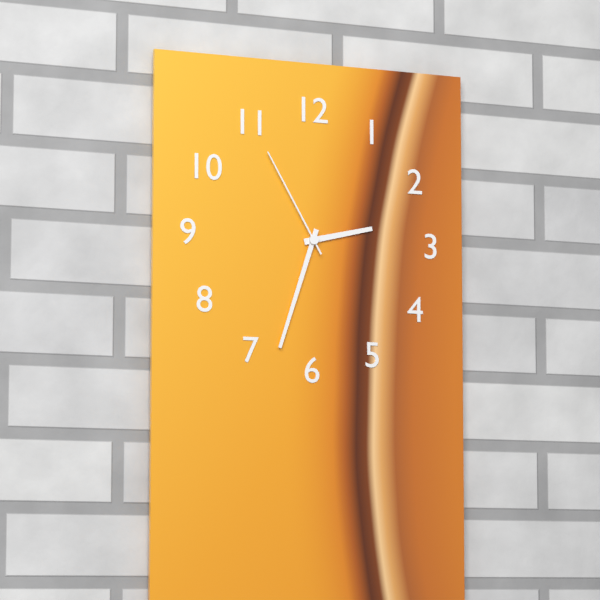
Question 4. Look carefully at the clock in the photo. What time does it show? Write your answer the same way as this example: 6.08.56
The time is 2.33.55
